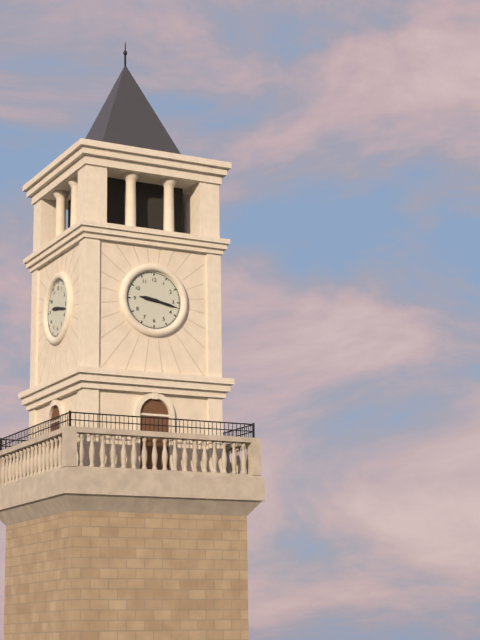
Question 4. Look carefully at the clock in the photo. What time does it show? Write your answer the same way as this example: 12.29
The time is 9.17
